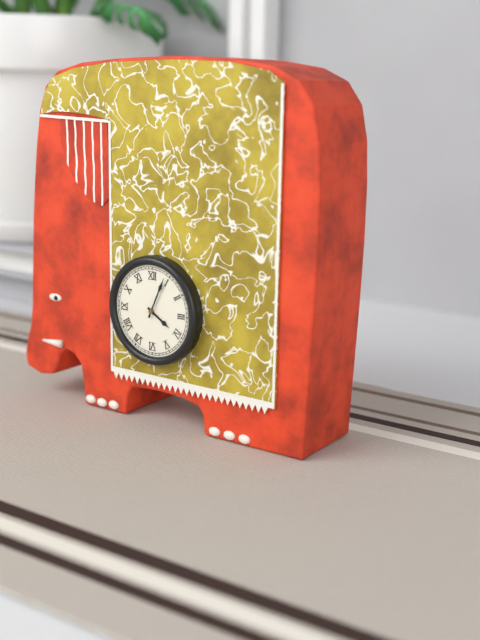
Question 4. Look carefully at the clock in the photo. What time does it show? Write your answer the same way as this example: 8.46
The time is 4.04
